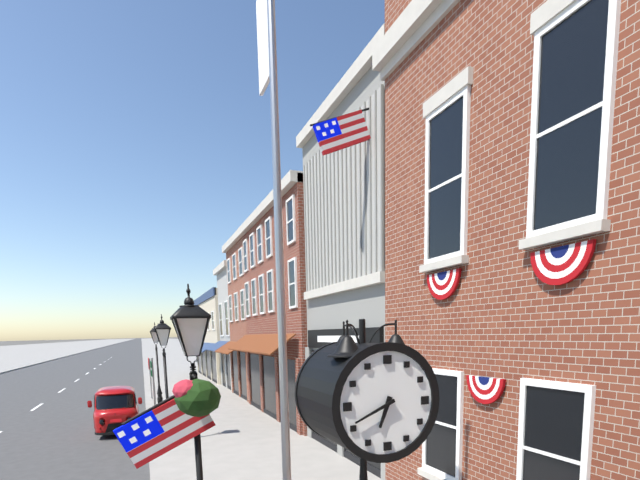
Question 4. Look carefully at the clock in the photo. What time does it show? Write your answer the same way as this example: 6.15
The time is 6.41
